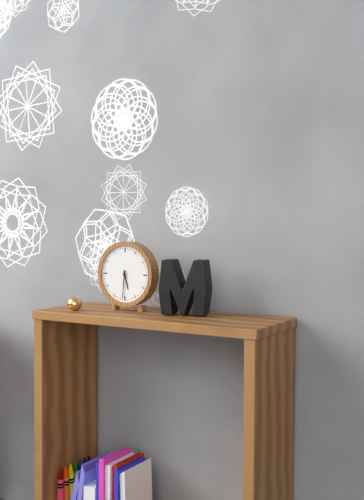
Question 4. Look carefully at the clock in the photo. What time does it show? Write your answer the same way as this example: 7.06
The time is 5.31
